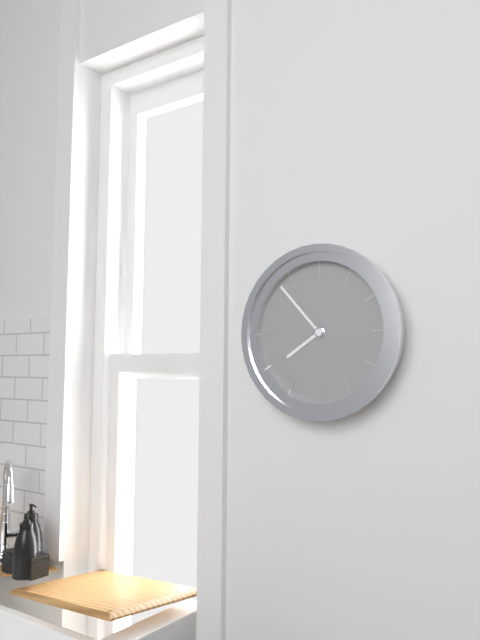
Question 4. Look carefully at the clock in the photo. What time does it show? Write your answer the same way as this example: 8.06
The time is 7.53
